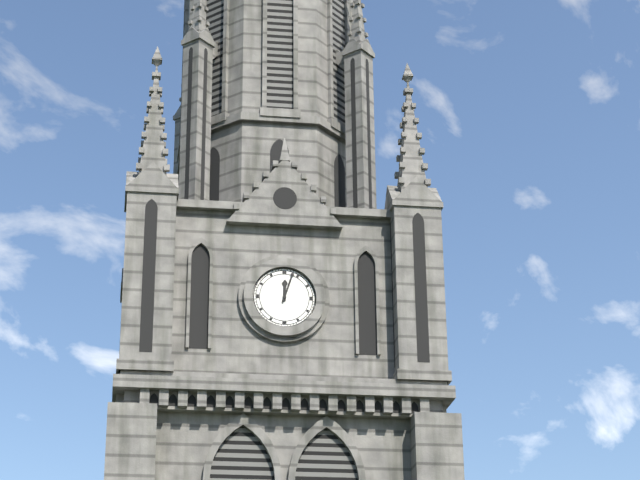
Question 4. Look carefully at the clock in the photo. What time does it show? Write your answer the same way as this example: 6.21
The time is 12.03
